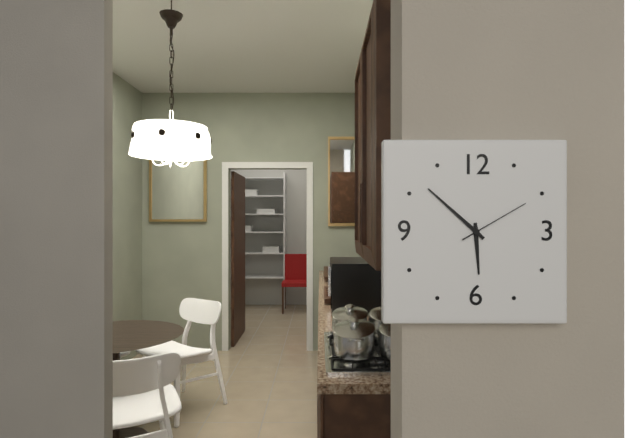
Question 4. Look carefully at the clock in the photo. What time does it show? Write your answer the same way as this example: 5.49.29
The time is 5.52.10
